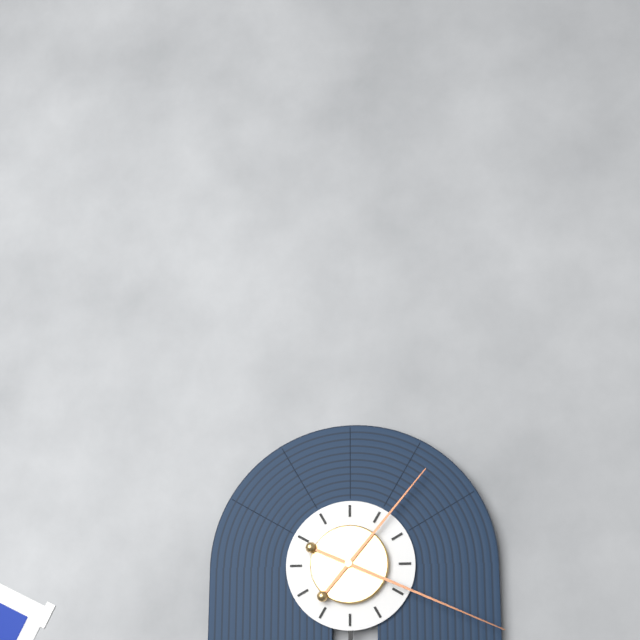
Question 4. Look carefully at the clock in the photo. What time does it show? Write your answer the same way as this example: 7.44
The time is 1.19
